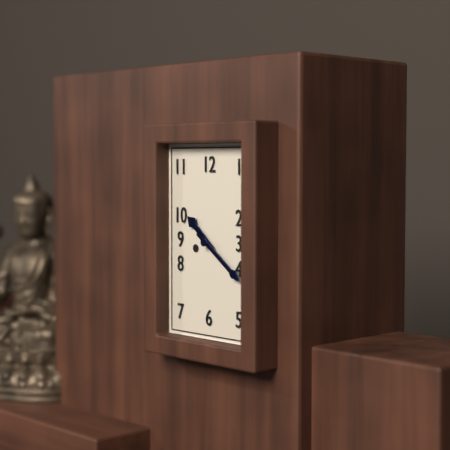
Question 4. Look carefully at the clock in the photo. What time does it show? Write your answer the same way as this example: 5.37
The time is 10.21
